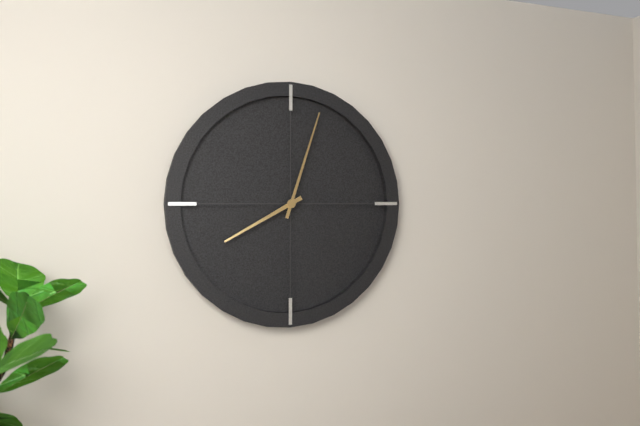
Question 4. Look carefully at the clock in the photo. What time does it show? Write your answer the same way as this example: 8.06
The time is 8.03
